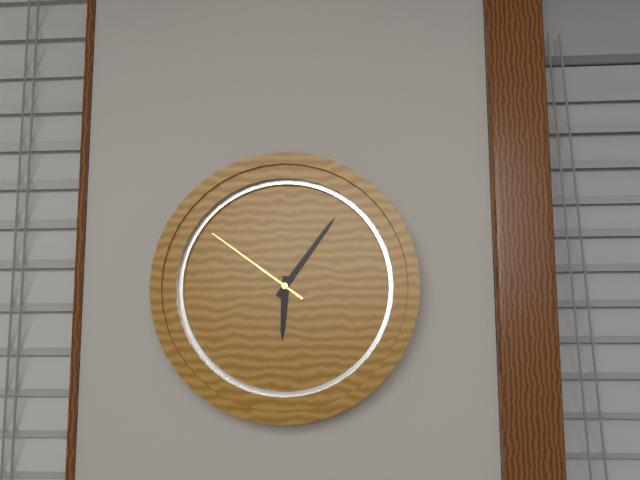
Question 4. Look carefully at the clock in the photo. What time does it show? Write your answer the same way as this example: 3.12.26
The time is 6.06.51
